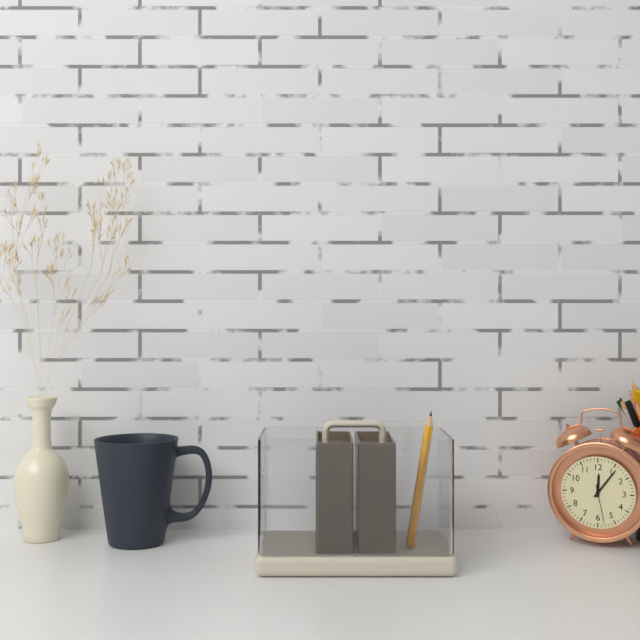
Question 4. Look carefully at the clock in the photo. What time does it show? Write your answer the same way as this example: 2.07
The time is 12.06
